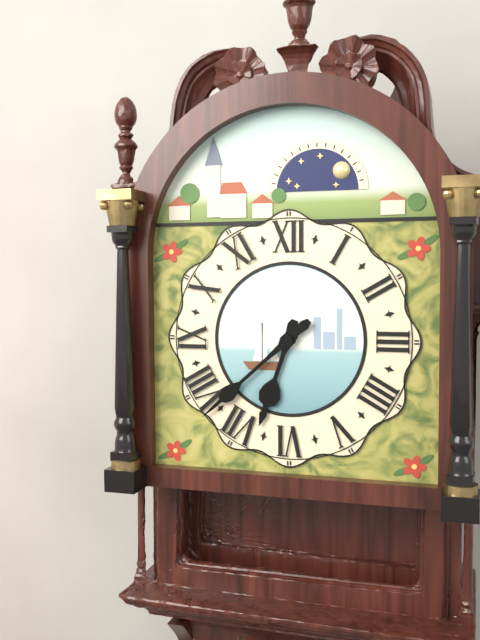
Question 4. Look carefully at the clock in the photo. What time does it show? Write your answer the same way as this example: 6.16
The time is 6.38
